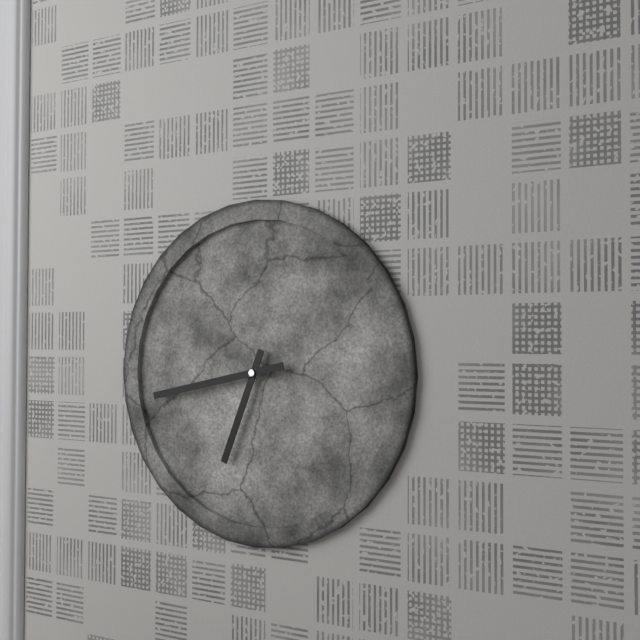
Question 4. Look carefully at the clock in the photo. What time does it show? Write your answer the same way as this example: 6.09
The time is 6.43
